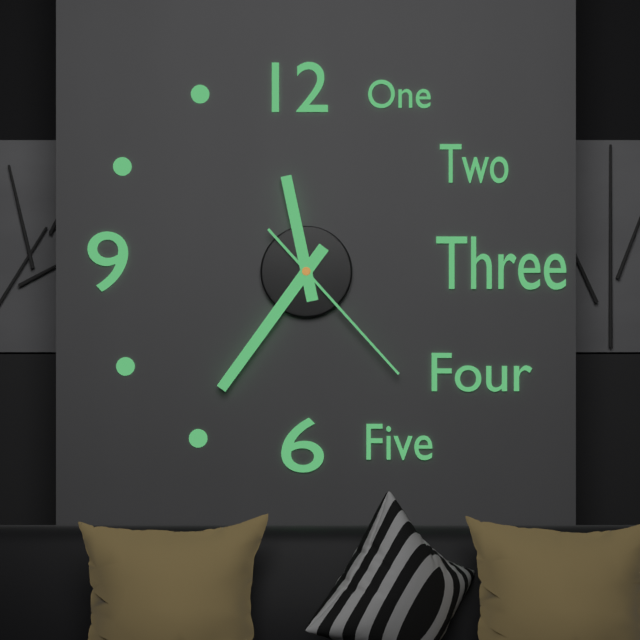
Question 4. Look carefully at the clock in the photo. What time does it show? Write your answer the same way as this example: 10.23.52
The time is 11.36.23
